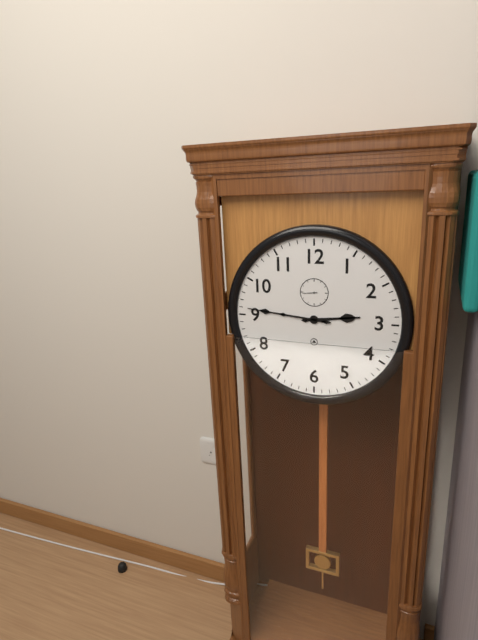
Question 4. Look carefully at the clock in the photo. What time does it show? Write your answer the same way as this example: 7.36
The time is 2.46
